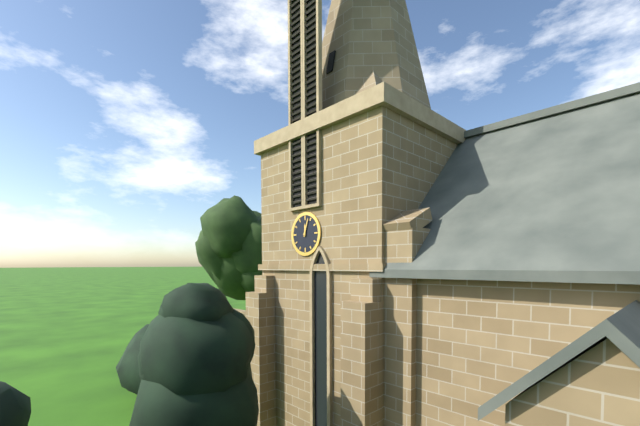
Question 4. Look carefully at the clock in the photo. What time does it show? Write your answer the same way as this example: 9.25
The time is 12.03
